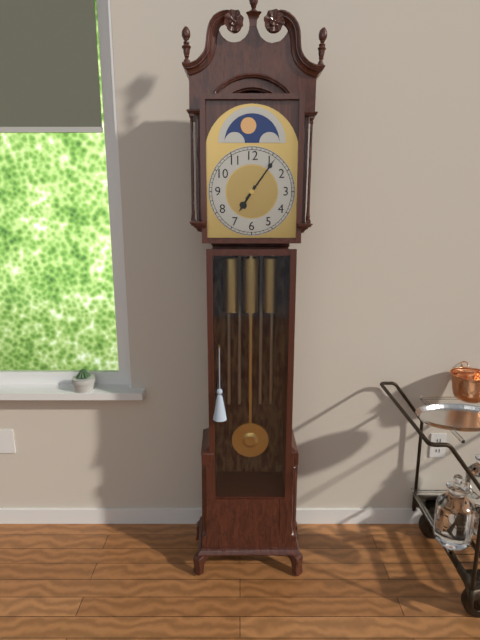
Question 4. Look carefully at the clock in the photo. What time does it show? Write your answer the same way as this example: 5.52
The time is 7.06
